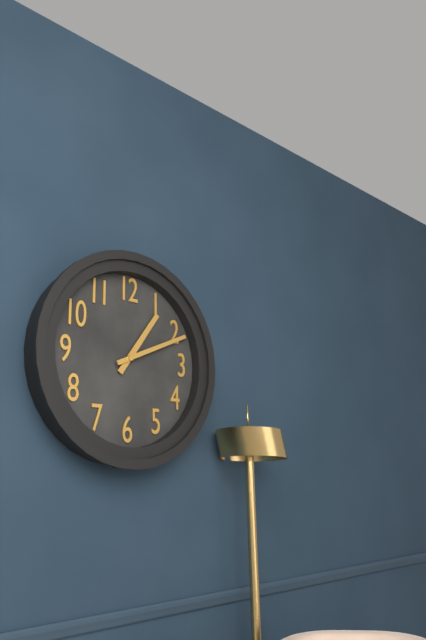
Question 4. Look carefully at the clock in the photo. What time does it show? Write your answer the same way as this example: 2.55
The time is 1.11
